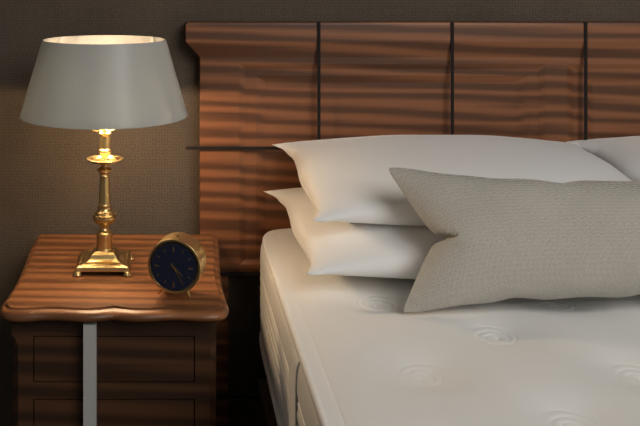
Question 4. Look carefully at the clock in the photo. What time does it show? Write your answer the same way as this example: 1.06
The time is 4.25
